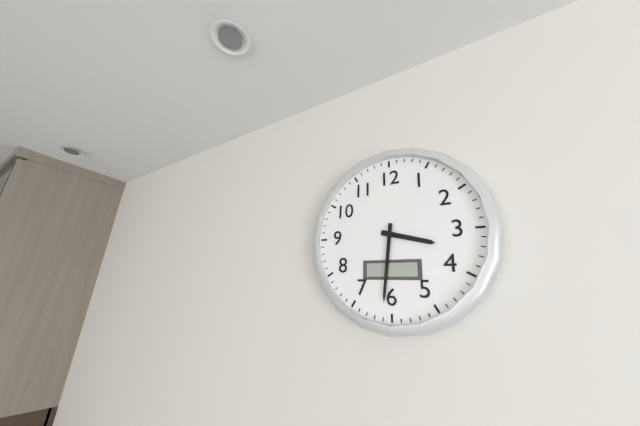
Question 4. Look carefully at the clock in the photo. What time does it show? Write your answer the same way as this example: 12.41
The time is 3.31
